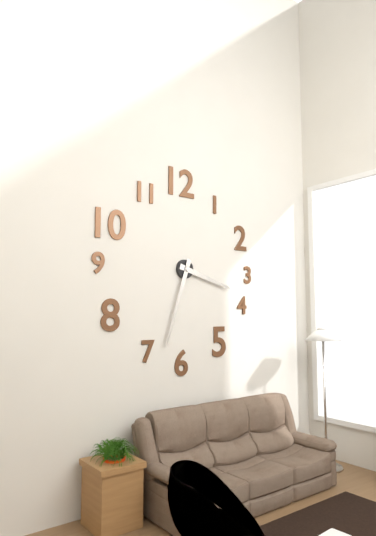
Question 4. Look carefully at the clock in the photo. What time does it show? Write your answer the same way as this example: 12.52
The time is 3.33
